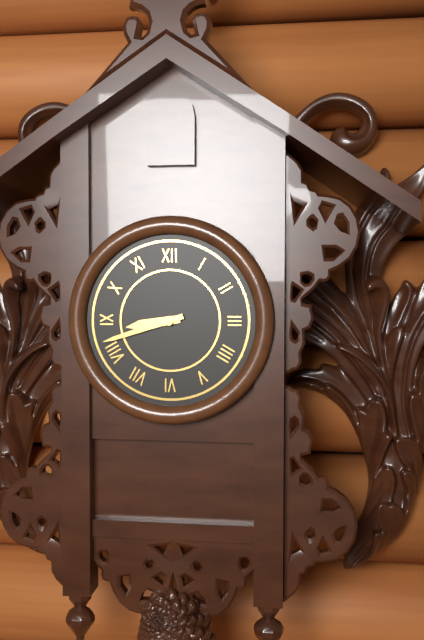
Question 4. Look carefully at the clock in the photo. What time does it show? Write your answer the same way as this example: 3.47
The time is 8.42
